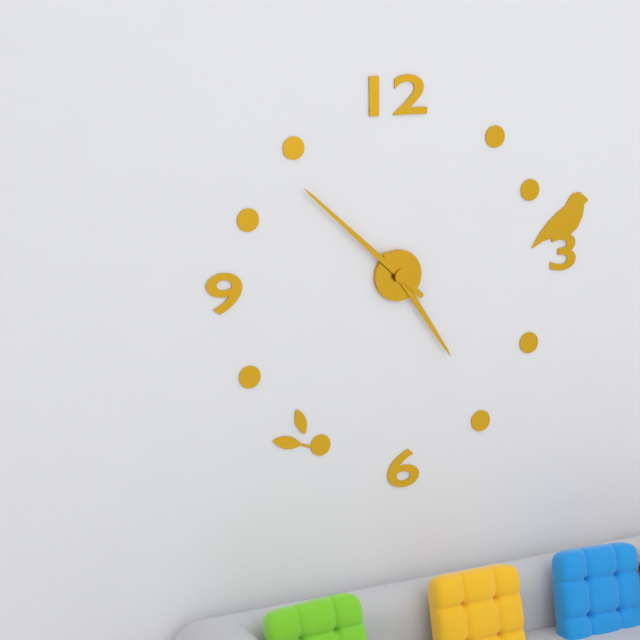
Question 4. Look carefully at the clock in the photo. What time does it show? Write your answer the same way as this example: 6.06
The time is 4.52
